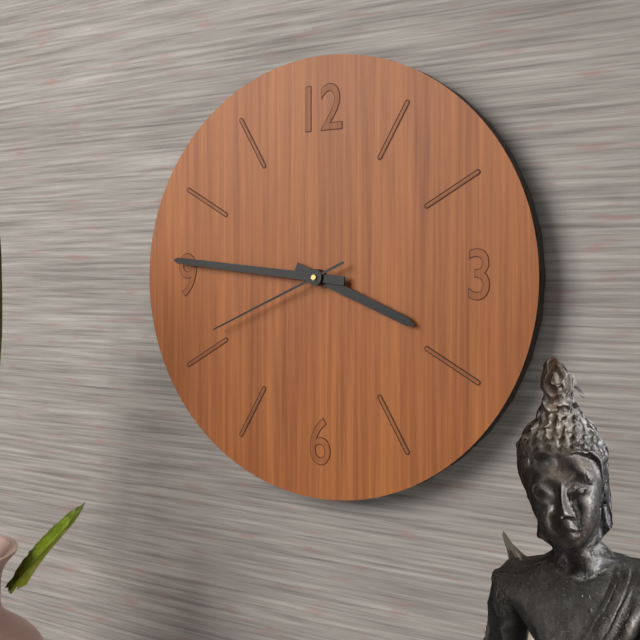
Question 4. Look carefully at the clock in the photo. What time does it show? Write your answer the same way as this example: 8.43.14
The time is 3.46.41
